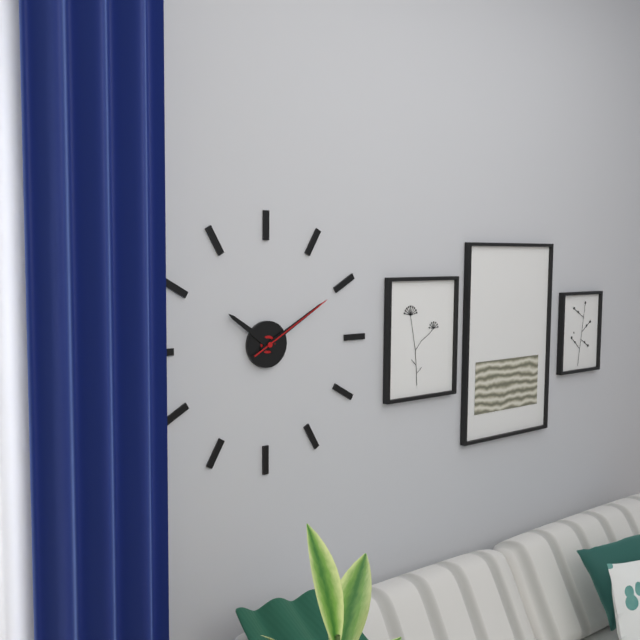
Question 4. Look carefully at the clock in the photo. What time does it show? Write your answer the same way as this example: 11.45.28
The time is 10.10.10
